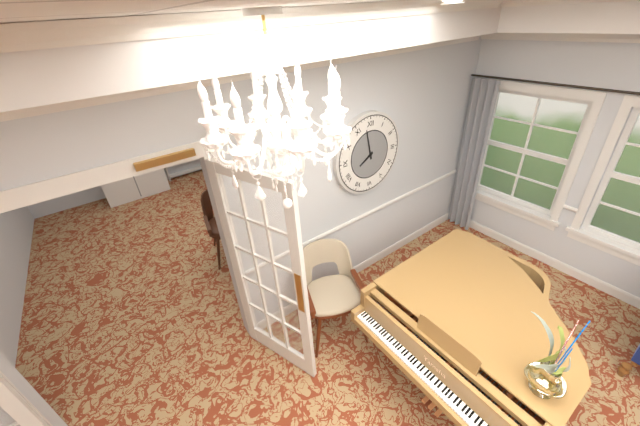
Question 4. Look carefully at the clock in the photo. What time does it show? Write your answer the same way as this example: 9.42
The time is 7.58
